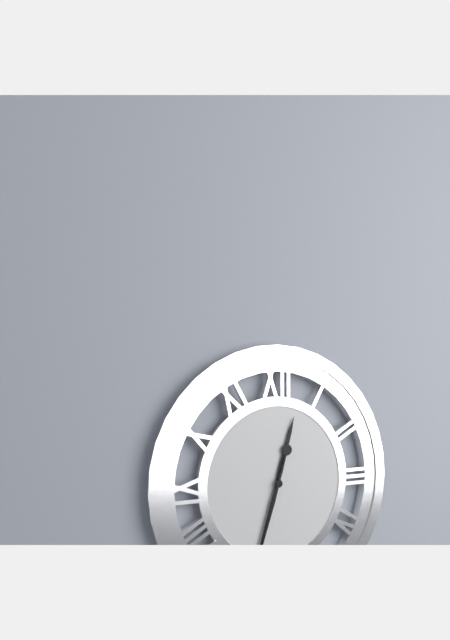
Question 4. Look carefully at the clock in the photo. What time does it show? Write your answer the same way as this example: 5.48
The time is 12.33
